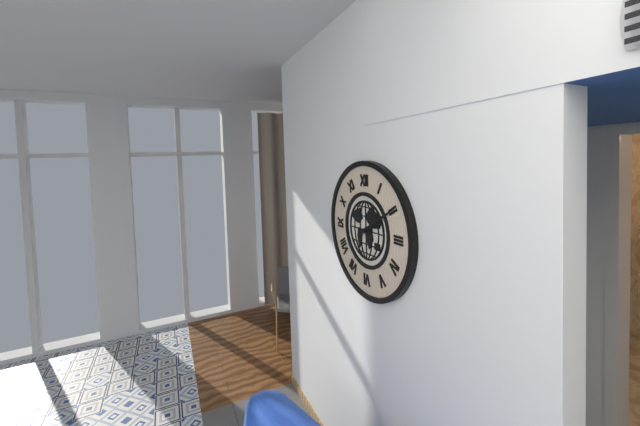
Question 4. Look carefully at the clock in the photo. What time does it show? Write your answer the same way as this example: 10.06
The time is 2.10
